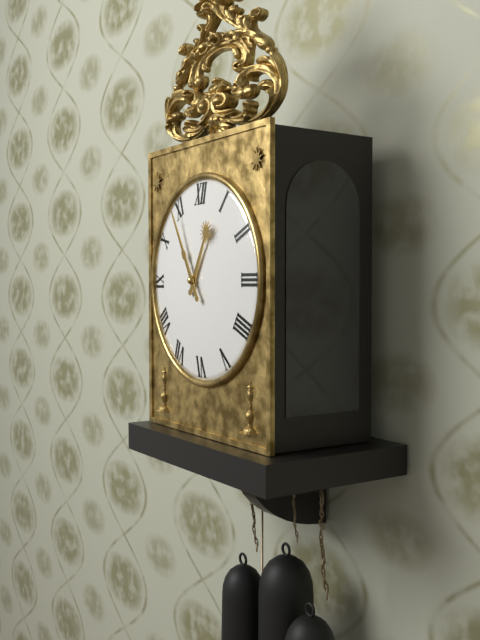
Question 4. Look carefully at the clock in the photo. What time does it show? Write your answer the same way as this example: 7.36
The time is 12.55
